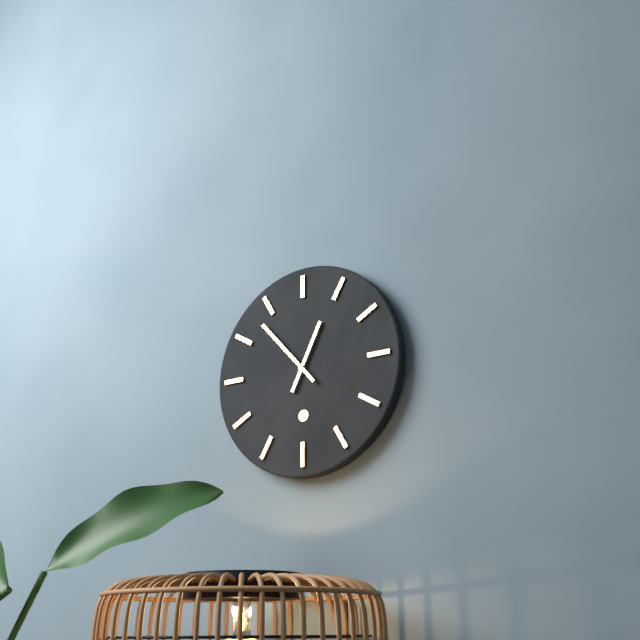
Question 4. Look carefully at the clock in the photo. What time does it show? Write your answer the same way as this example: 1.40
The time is 12.53
